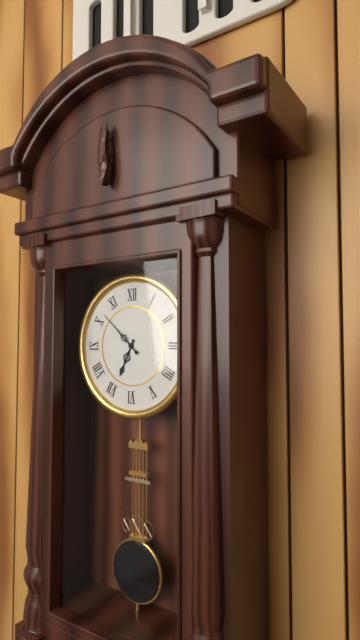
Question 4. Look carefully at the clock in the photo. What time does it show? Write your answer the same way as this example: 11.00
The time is 6.52
